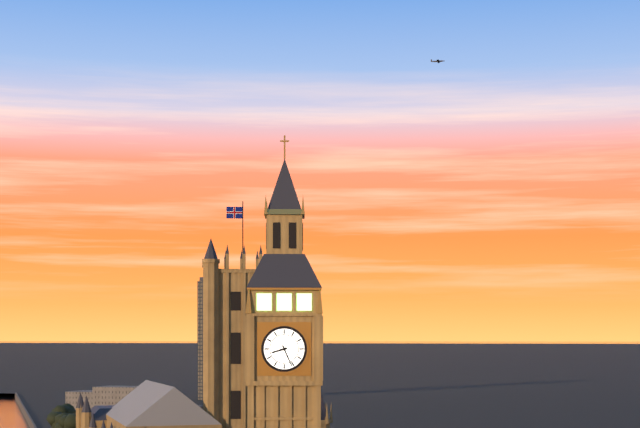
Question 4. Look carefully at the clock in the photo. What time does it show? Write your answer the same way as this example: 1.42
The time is 8.26
